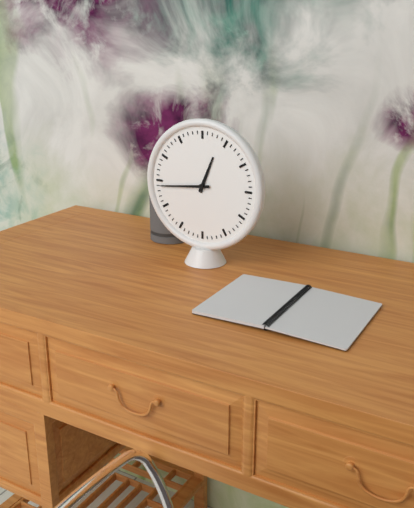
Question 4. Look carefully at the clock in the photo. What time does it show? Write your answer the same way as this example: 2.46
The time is 12.44
